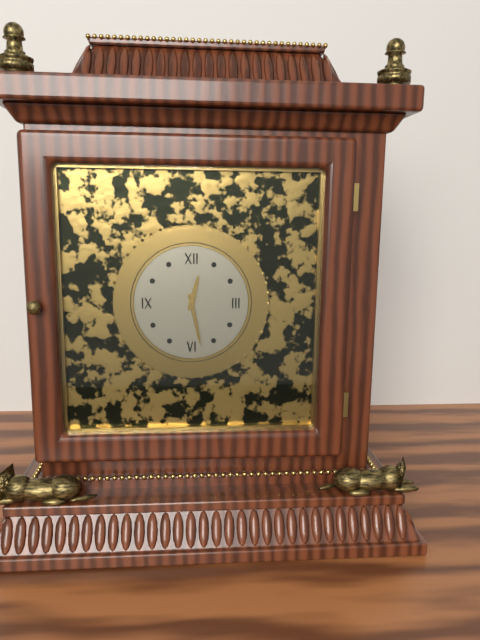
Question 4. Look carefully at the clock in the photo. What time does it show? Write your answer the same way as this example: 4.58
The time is 12.28
